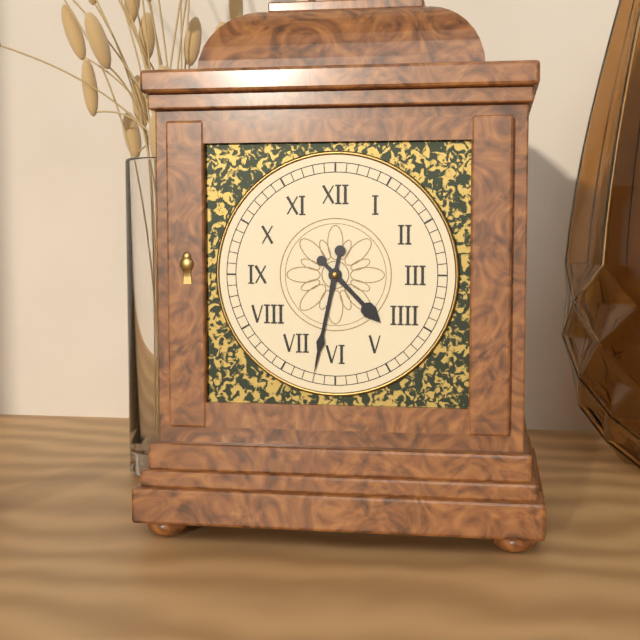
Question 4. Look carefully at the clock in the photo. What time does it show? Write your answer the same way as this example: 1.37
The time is 4.32
